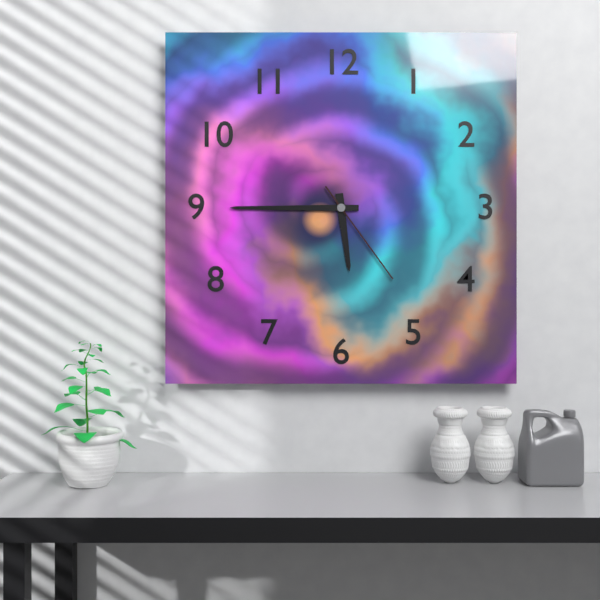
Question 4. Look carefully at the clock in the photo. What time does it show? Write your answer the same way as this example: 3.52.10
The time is 5.45.24
